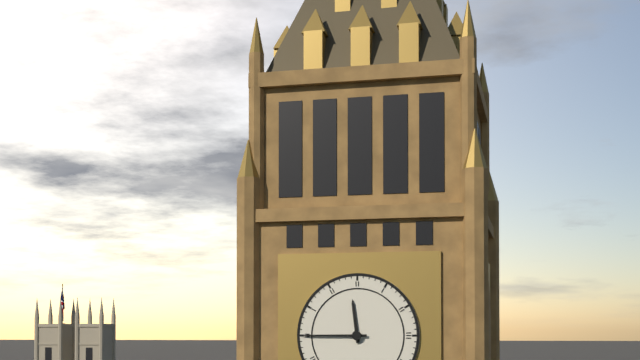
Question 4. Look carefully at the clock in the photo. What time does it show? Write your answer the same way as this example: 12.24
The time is 11.45
